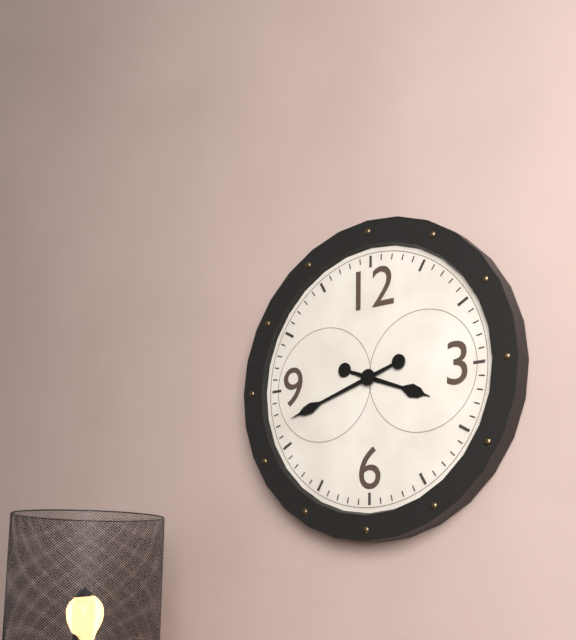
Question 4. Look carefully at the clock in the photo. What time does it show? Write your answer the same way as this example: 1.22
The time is 3.42
